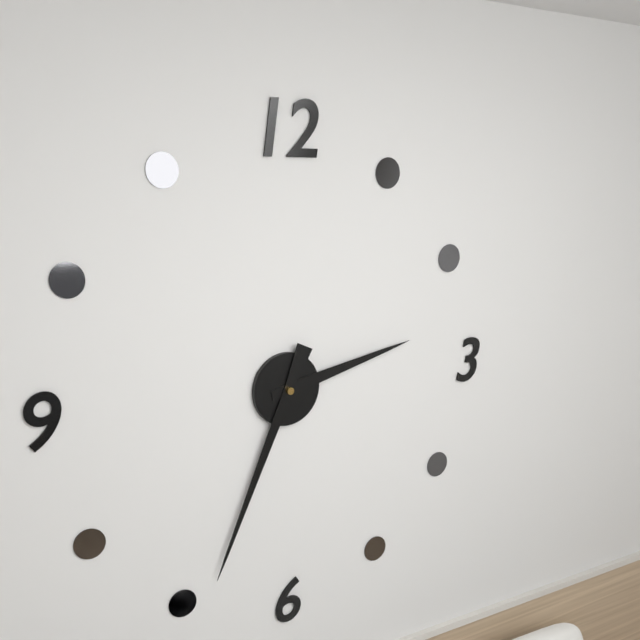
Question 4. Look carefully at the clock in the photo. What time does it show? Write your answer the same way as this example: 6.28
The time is 2.34
